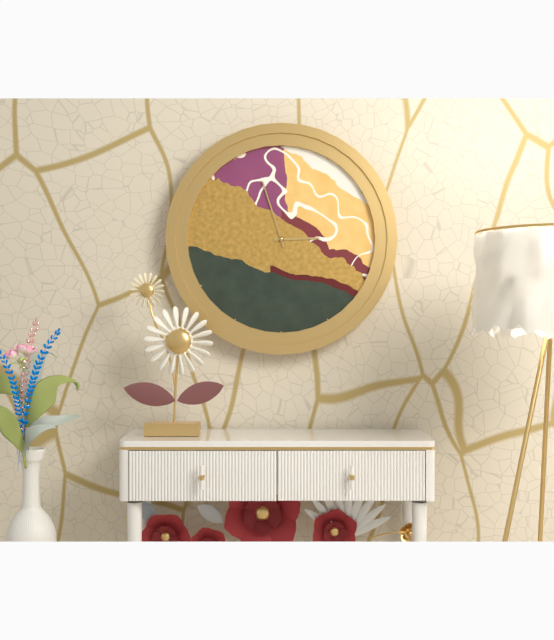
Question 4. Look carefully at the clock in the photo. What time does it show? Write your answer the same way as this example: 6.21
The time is 2.57
